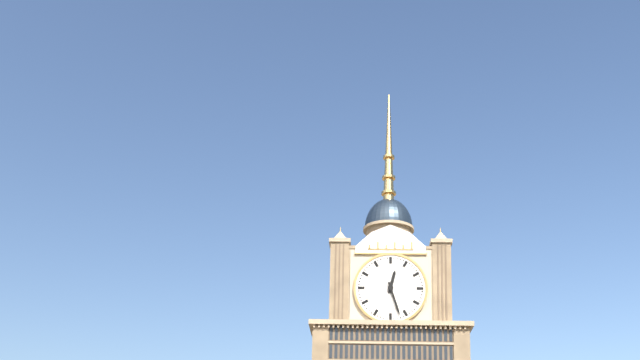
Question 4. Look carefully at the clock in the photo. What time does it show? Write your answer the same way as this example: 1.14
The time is 12.27
